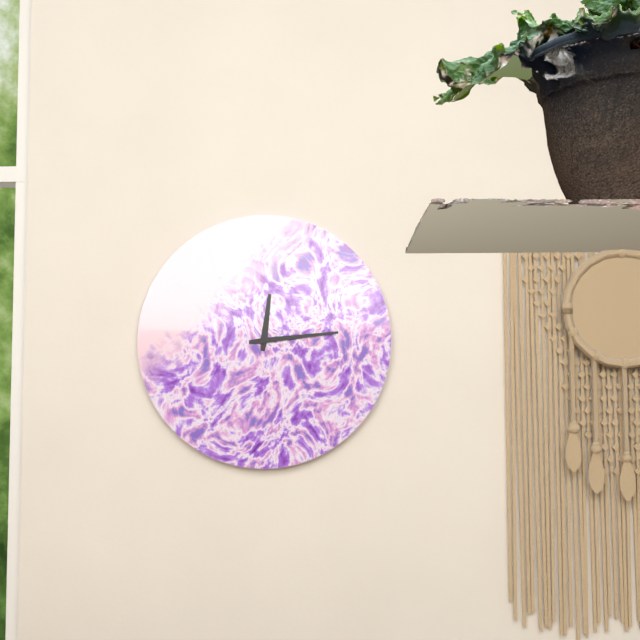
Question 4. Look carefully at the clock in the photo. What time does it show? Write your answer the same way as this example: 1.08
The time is 12.14
